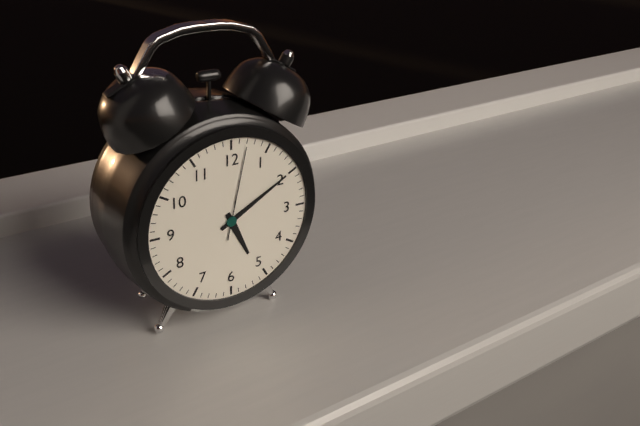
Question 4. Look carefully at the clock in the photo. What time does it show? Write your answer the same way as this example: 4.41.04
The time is 5.10.02
